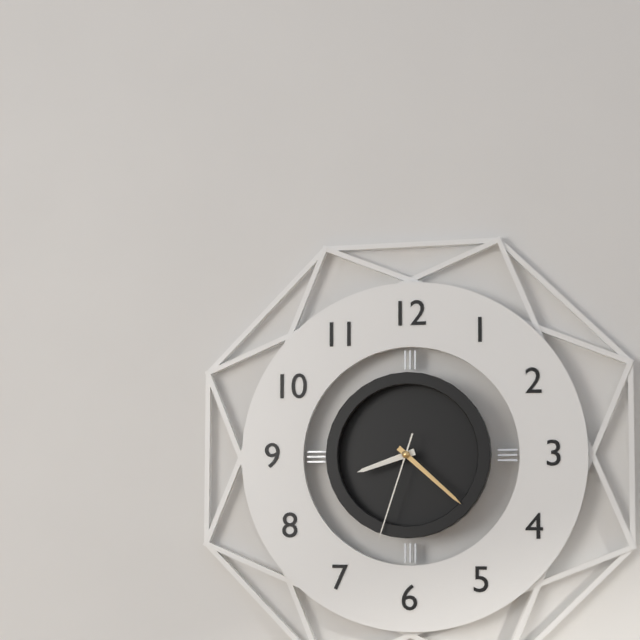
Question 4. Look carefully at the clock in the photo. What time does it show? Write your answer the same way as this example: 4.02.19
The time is 8.22.33
